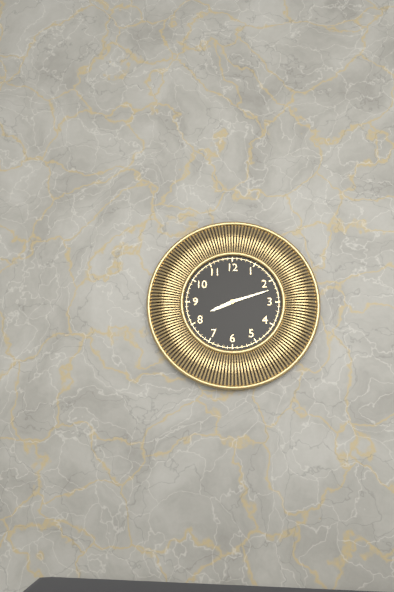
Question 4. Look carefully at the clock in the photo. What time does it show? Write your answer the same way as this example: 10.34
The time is 8.12
